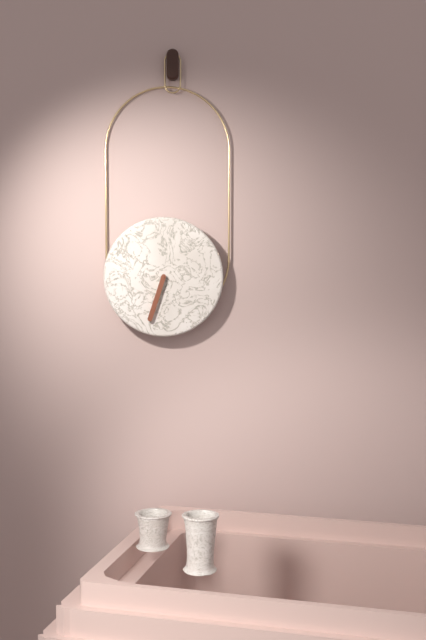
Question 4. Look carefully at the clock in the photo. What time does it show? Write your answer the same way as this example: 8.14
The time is 6.33
